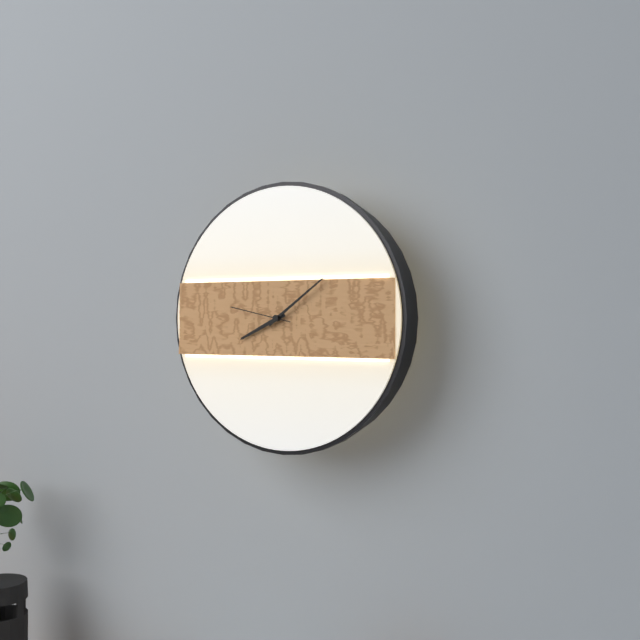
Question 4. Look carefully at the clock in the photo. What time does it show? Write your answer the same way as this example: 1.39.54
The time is 8.09.47
